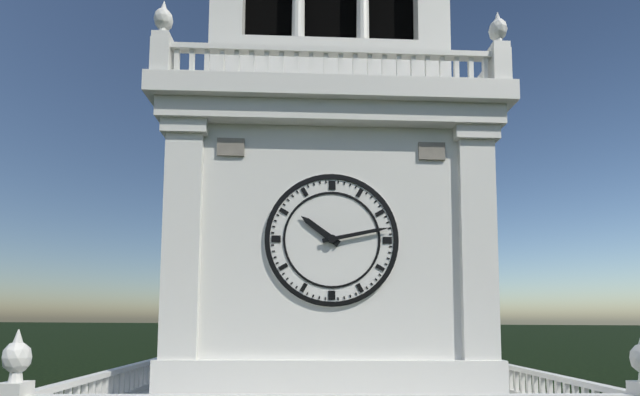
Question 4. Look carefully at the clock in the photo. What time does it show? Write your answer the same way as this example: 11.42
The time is 10.13
